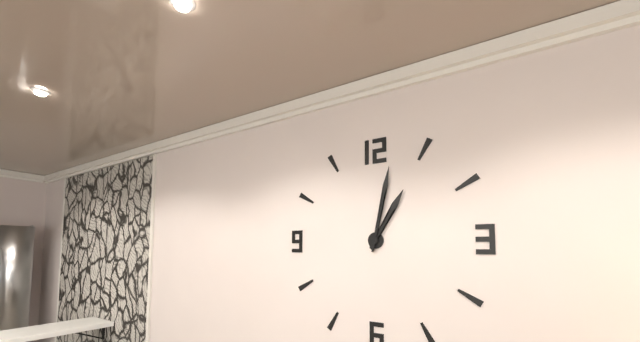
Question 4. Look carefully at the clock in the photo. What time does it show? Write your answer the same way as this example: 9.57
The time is 1.02
